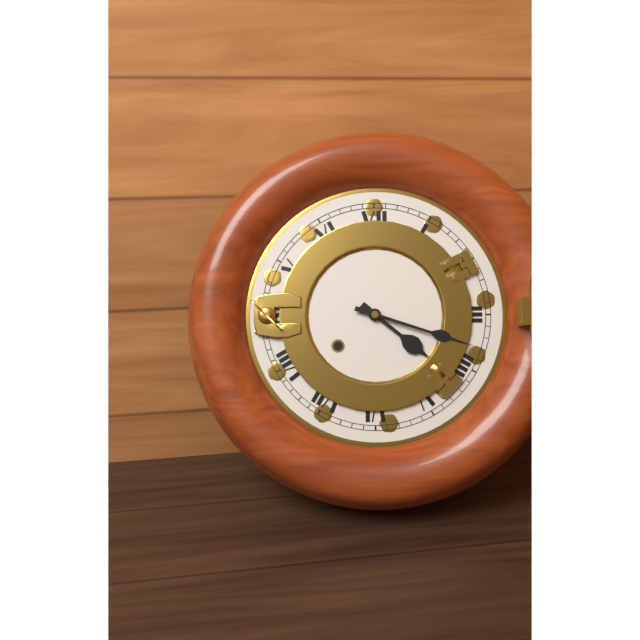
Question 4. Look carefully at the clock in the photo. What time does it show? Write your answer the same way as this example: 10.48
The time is 4.18
